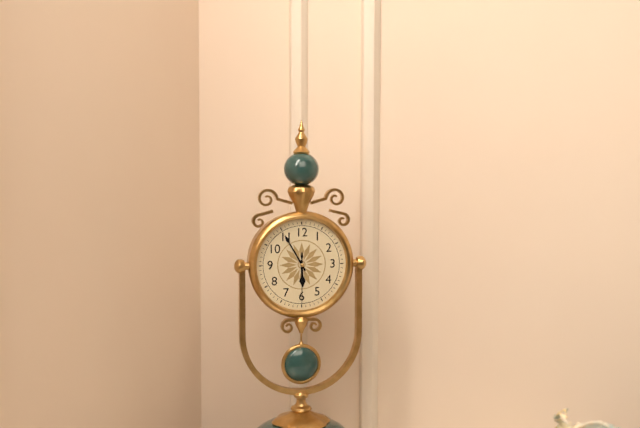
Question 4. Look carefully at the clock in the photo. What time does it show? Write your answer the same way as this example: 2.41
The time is 5.55
